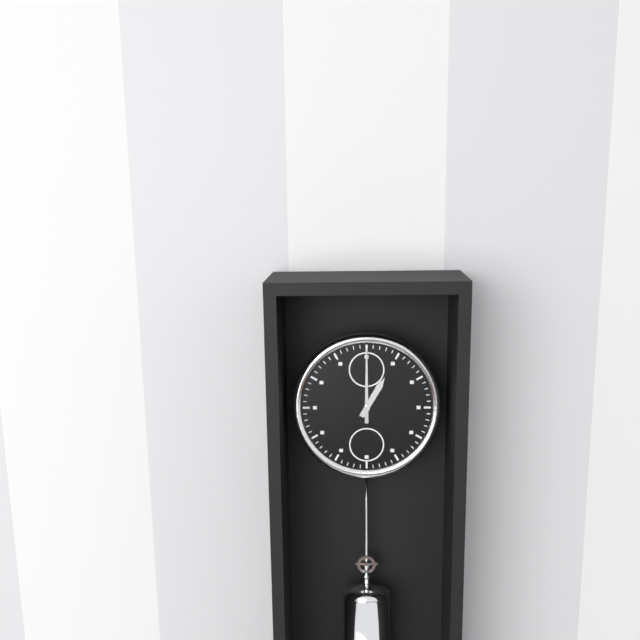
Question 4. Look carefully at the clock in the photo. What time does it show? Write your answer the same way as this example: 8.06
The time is 1.00
